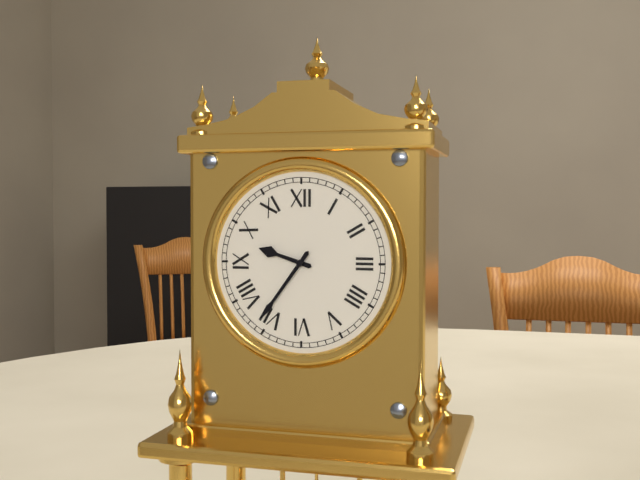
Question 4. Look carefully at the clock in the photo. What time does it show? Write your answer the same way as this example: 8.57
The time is 9.36
